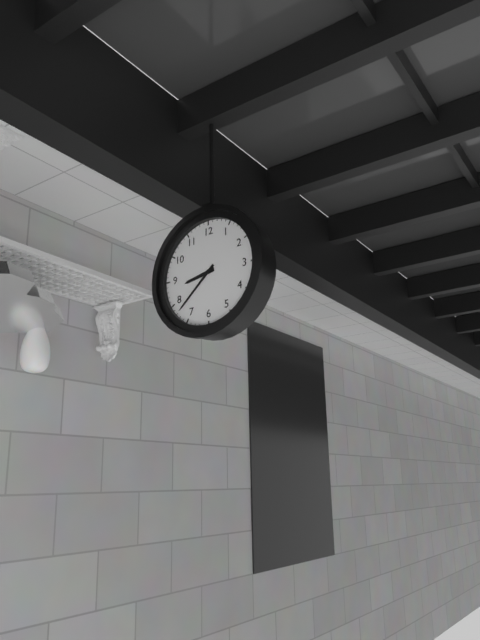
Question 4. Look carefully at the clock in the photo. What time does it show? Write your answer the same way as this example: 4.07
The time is 8.38
